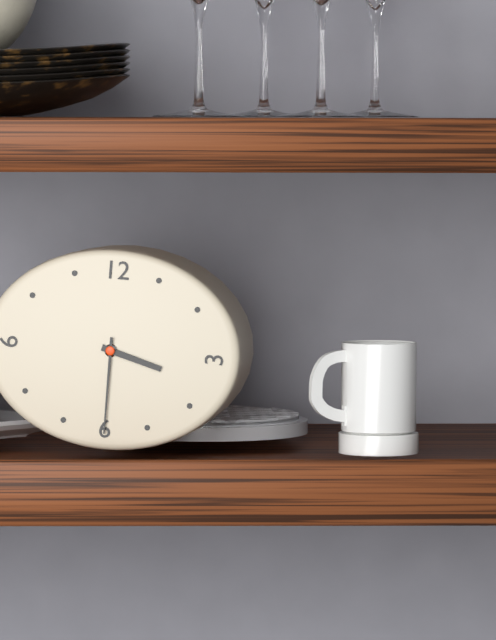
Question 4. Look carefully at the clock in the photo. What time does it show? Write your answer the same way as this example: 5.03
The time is 3.30
